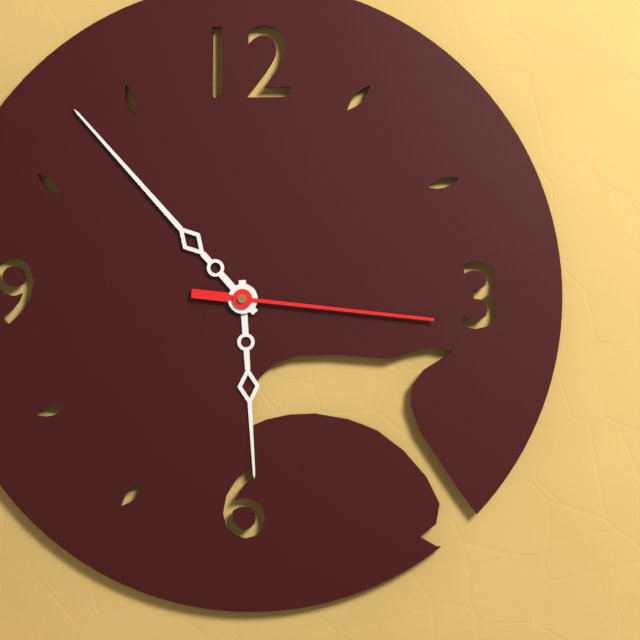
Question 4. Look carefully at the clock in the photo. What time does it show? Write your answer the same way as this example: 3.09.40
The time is 5.53.16
